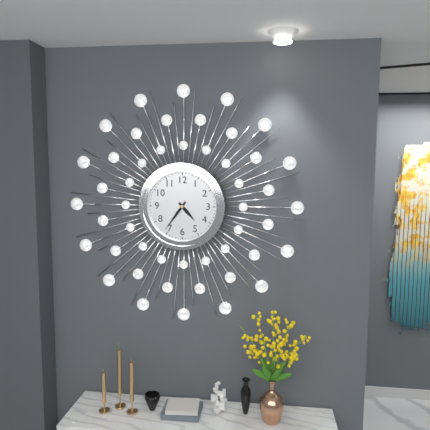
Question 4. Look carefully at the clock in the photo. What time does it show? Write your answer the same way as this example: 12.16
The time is 4.36
